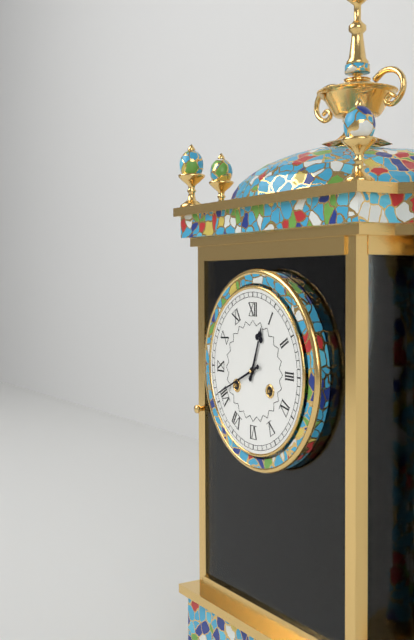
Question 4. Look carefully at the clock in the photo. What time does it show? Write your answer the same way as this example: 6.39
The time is 12.41
